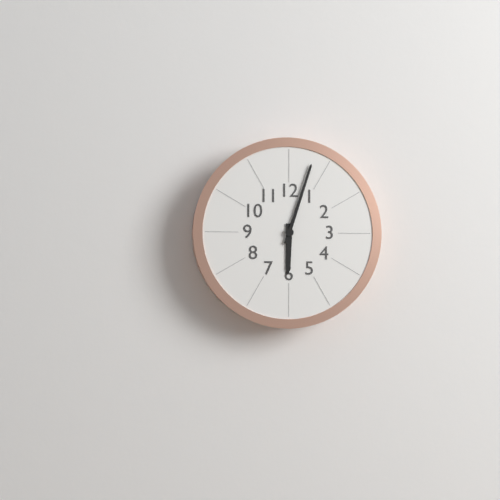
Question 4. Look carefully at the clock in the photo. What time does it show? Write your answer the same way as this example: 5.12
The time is 6.03
